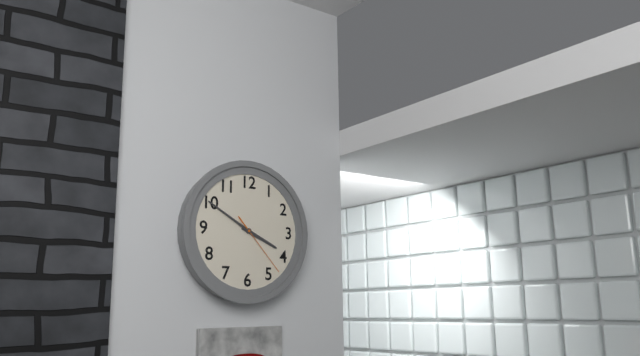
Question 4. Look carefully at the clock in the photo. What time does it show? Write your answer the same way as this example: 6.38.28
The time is 3.50.23
